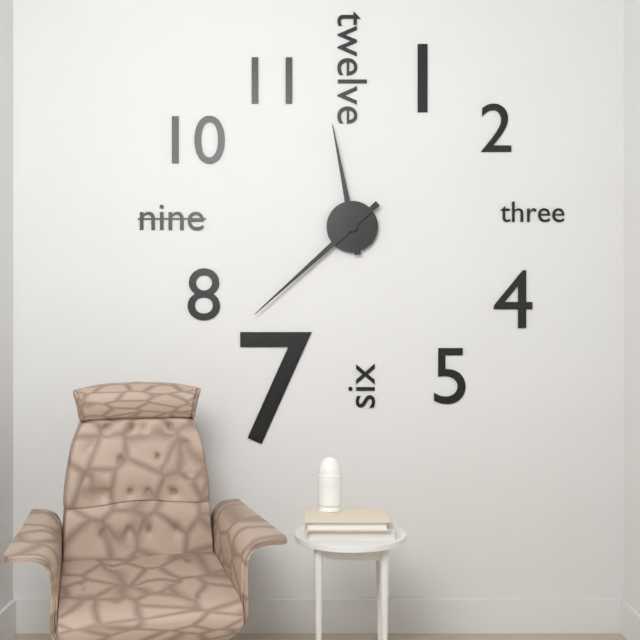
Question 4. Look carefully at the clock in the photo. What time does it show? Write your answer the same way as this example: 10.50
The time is 11.38
